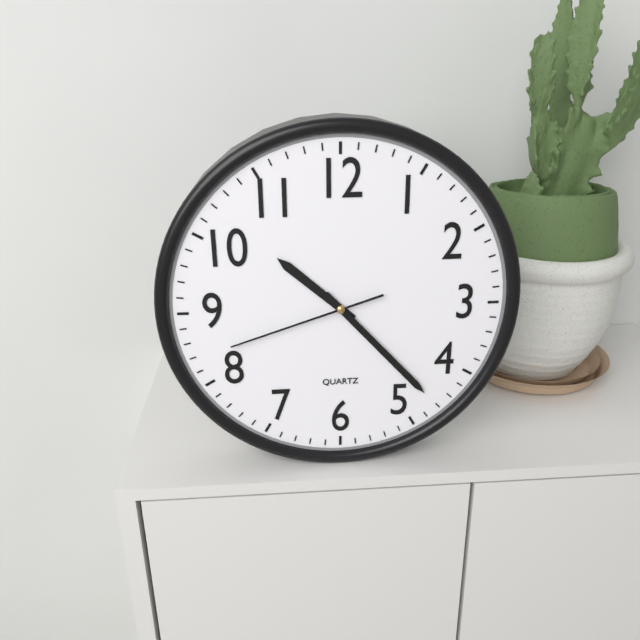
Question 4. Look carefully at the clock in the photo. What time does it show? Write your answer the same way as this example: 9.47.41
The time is 10.23.42
